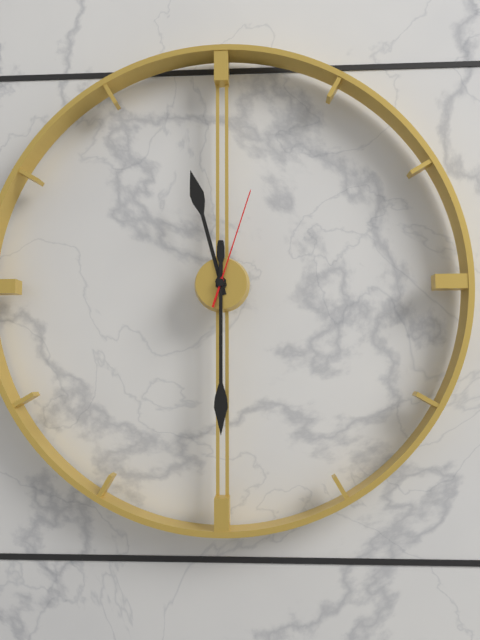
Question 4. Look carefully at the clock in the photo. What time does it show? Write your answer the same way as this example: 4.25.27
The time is 11.30.03
